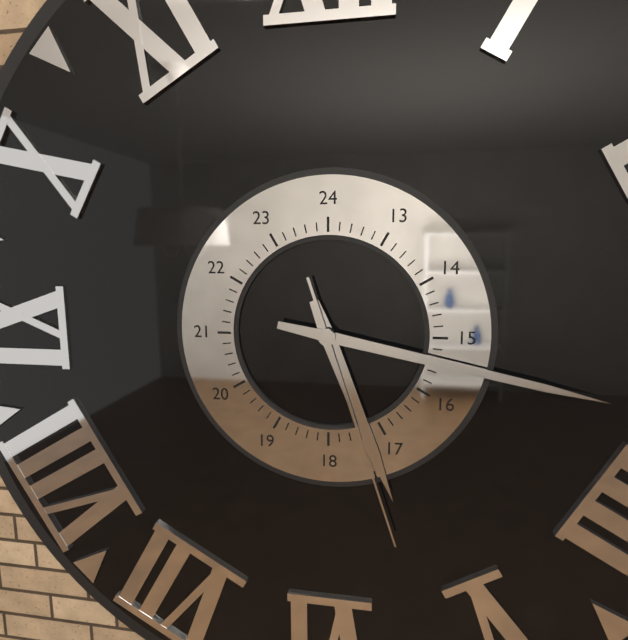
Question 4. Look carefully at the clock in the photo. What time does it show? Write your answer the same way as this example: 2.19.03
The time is 5.17.27
